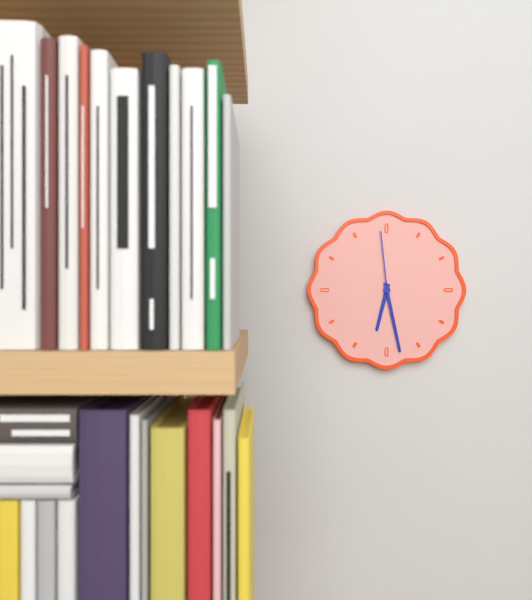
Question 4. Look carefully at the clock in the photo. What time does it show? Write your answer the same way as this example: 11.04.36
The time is 6.28.59
